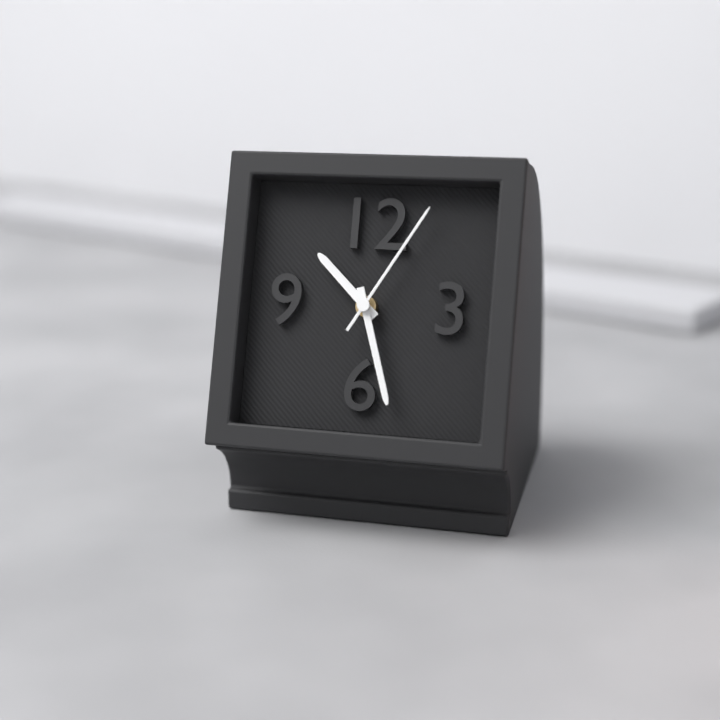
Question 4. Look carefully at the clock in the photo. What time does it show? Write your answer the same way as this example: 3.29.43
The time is 10.27.05
